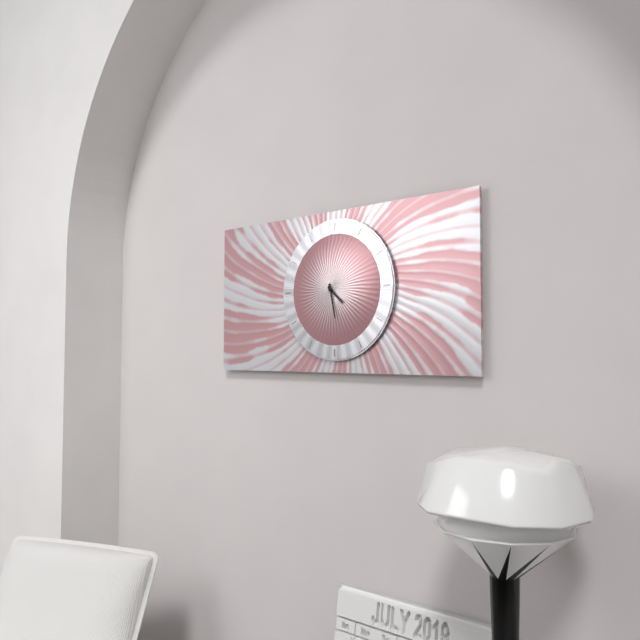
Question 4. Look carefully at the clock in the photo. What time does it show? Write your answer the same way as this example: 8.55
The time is 4.28
